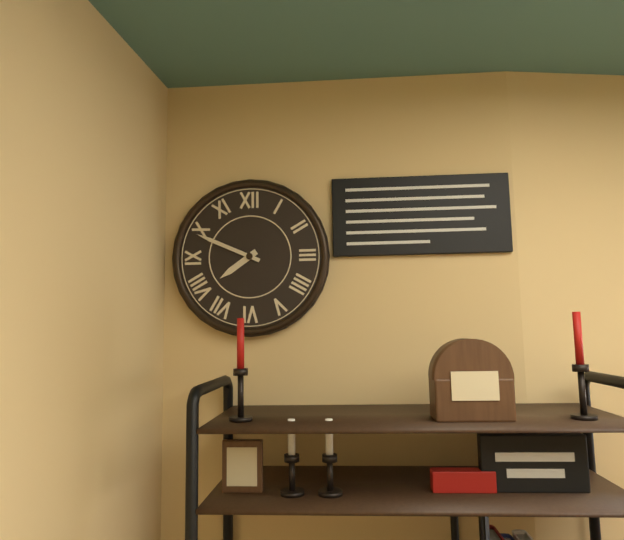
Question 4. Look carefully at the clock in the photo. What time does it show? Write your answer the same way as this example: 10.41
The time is 7.49
